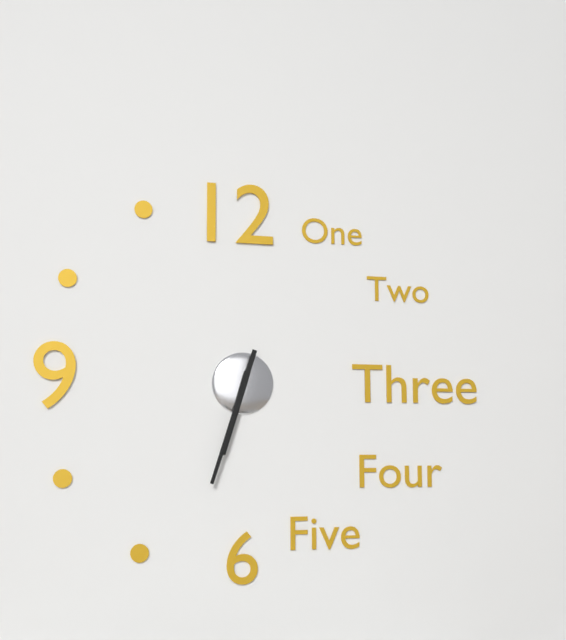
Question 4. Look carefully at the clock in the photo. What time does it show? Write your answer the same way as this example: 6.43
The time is 6.33
